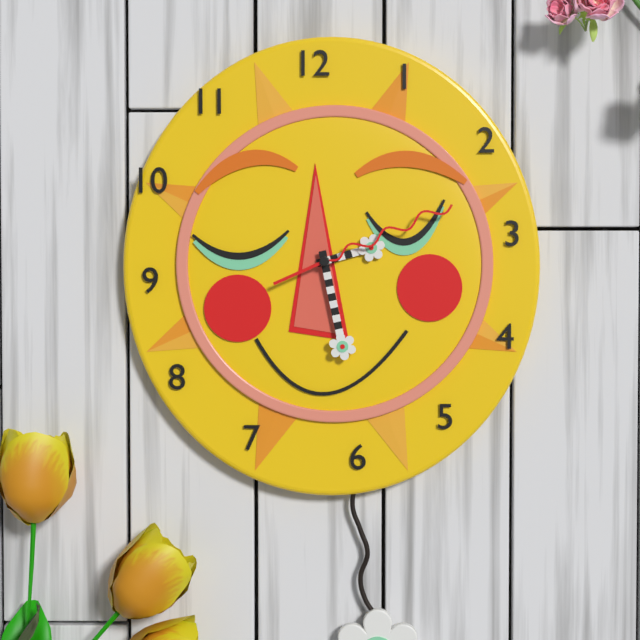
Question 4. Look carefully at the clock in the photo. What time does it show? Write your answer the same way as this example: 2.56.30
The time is 2.28.11
